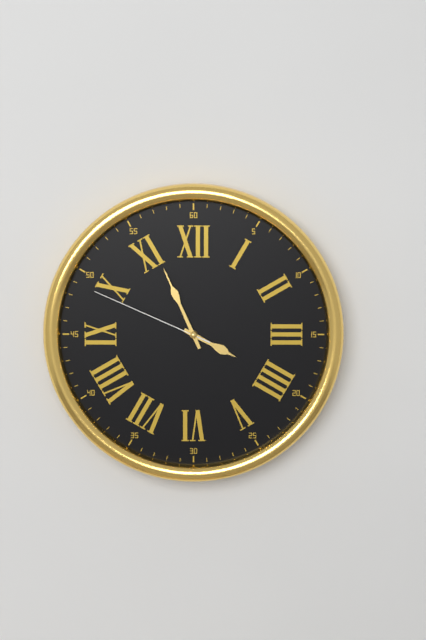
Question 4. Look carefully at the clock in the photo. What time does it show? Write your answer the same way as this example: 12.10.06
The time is 3.56.49
